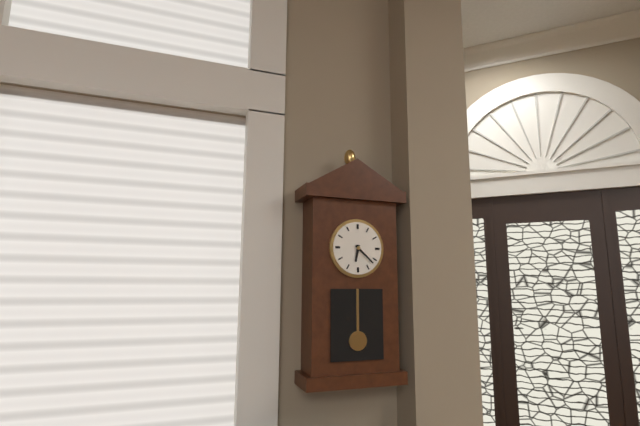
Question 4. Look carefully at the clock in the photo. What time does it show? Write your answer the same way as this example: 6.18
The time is 6.22
